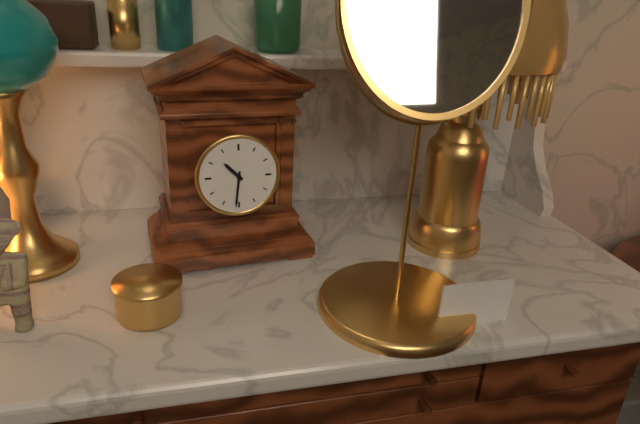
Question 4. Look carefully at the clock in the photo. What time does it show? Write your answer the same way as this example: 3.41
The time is 10.31
